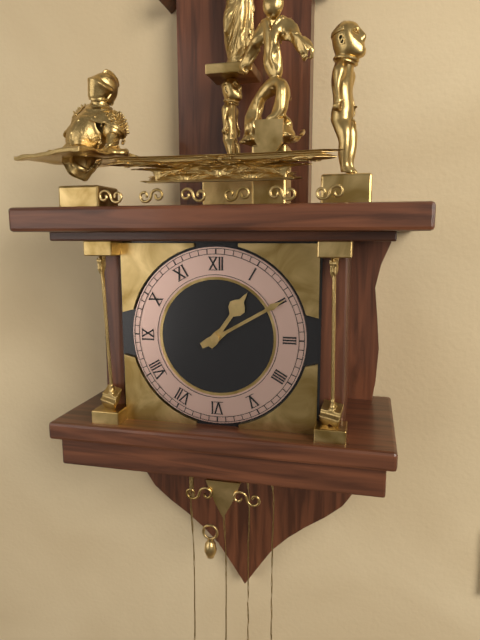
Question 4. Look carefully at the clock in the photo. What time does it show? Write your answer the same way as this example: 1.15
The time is 1.10
